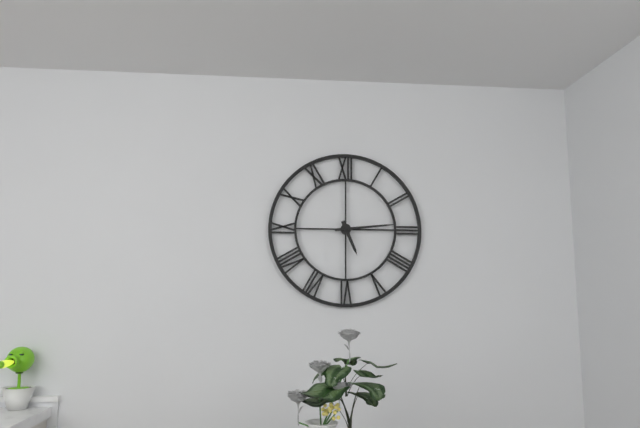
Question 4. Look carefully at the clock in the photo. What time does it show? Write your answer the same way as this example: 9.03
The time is 5.14
